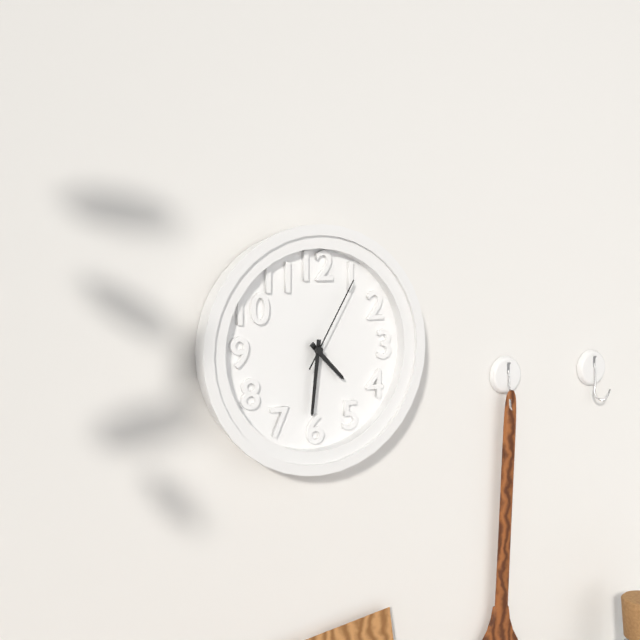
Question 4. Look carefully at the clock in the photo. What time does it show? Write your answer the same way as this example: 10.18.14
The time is 4.31.05
